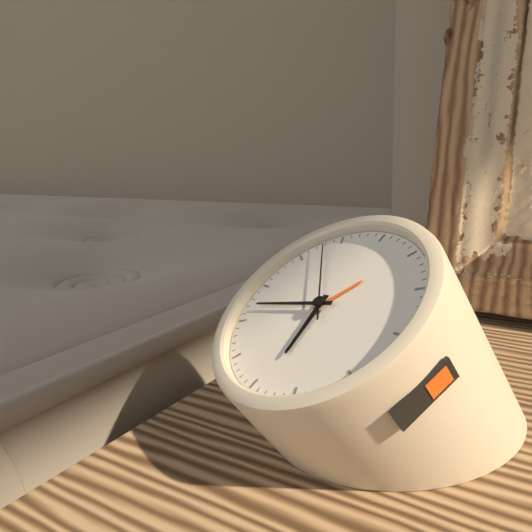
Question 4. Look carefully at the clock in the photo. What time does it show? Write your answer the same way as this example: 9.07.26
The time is 5.42.53
